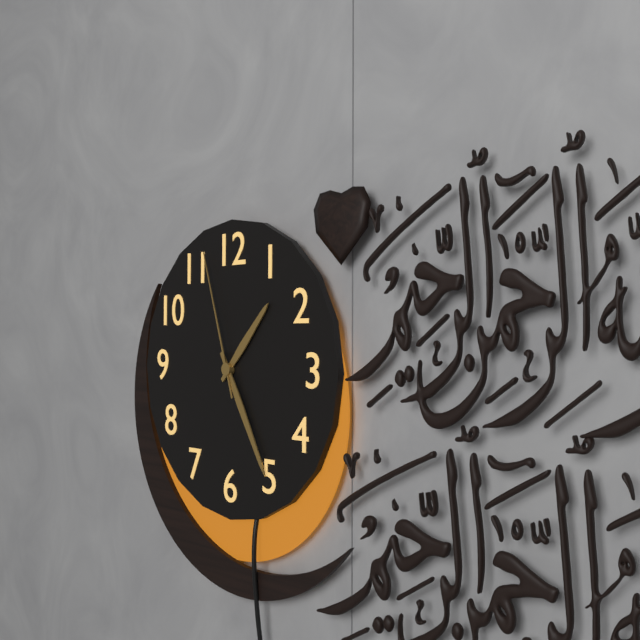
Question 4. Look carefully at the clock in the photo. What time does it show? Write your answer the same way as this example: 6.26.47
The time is 1.25.57
